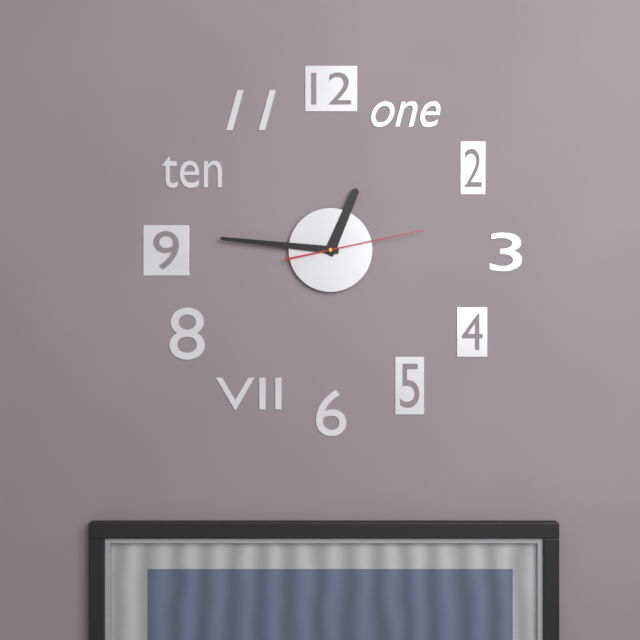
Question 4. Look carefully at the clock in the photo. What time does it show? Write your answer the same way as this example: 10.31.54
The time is 12.46.13
